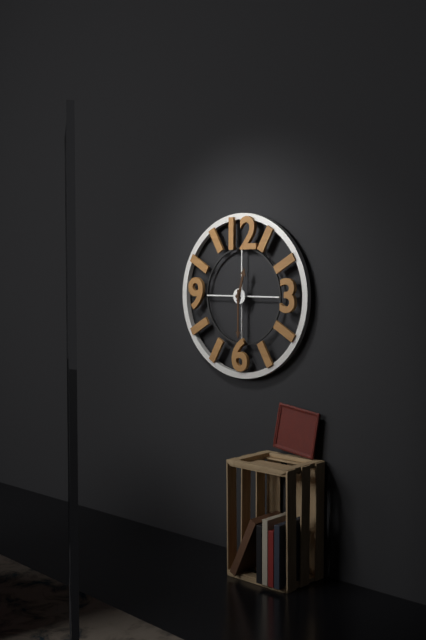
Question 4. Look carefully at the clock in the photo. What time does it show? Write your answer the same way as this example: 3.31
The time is 12.30
